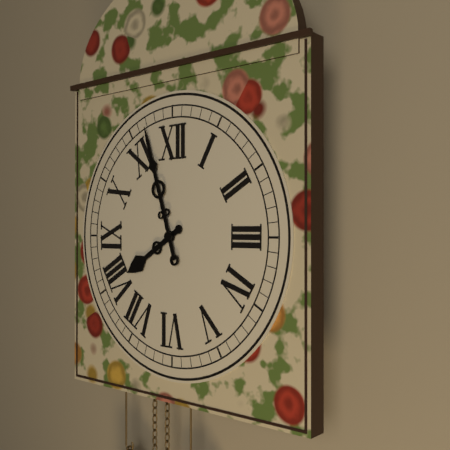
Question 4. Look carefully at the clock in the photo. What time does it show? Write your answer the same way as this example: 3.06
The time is 7.57
